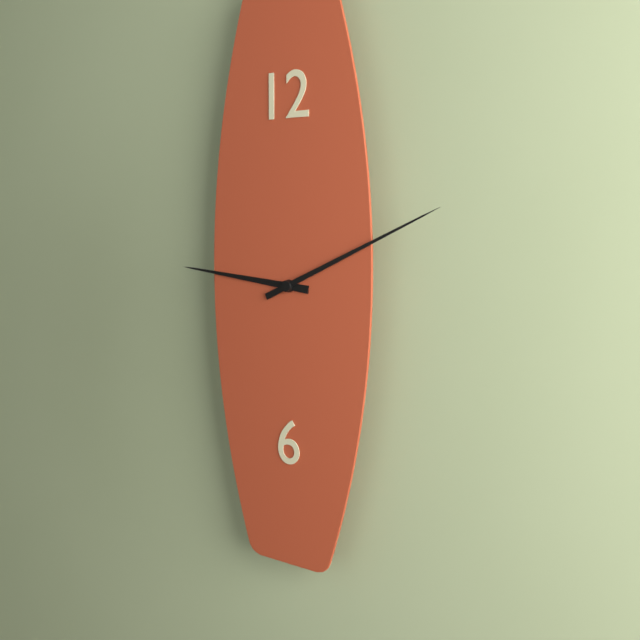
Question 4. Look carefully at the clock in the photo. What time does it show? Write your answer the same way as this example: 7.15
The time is 9.11
